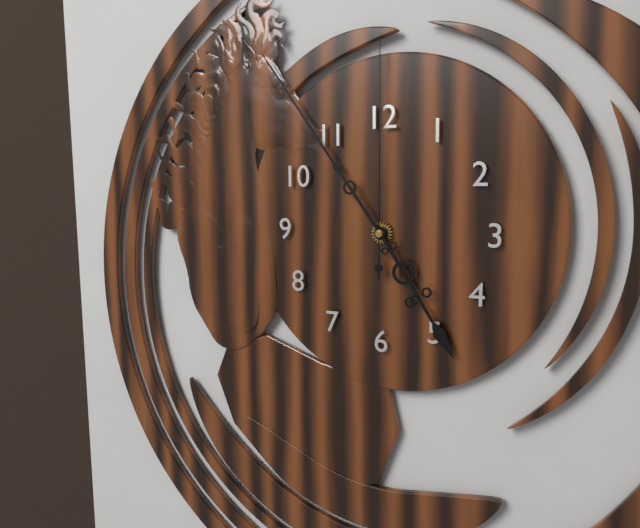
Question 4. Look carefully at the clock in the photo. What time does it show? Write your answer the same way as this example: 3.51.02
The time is 4.54.00
